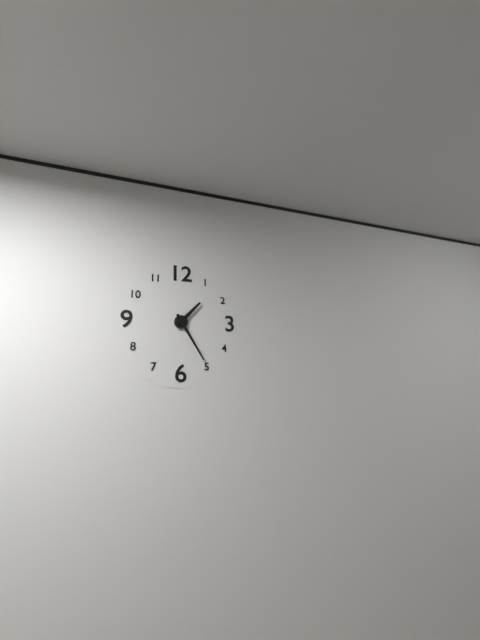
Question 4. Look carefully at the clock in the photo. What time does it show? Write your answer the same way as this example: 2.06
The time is 1.25
